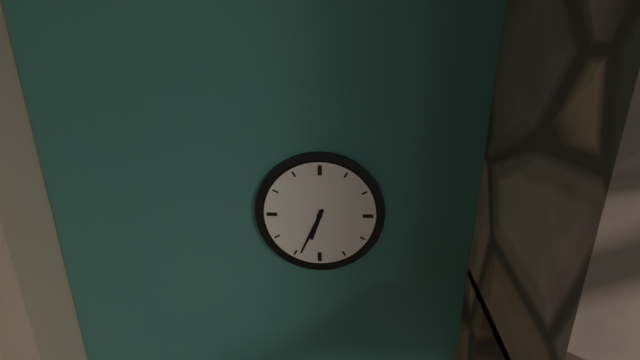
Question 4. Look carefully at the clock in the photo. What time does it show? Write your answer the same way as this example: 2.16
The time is 6.34
